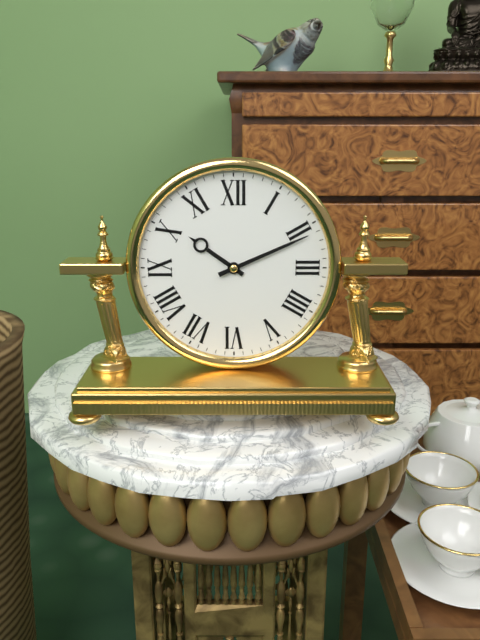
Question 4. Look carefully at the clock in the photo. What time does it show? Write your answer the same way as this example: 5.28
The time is 10.11
